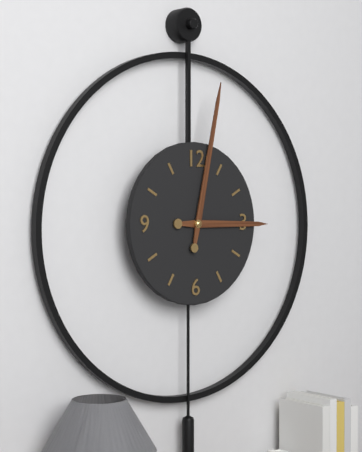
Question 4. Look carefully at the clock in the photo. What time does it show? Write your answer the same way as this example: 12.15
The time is 3.02
